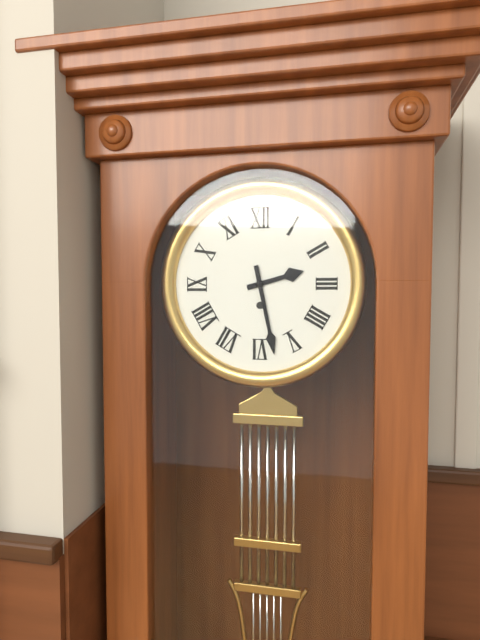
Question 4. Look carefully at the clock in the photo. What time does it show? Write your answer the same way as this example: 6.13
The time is 2.28
